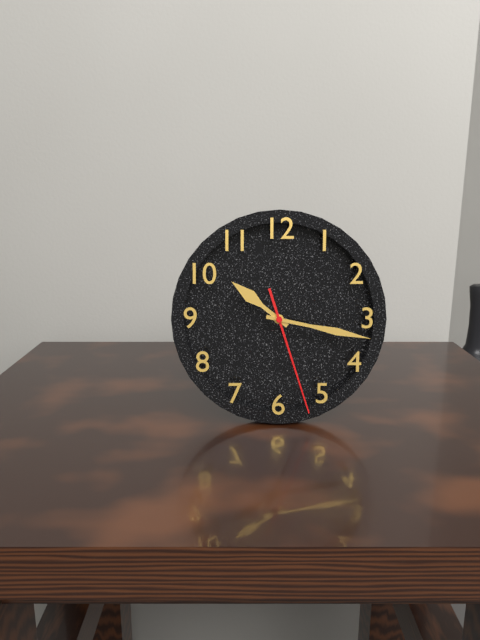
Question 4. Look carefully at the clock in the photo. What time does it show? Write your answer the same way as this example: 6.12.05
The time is 10.17.27
